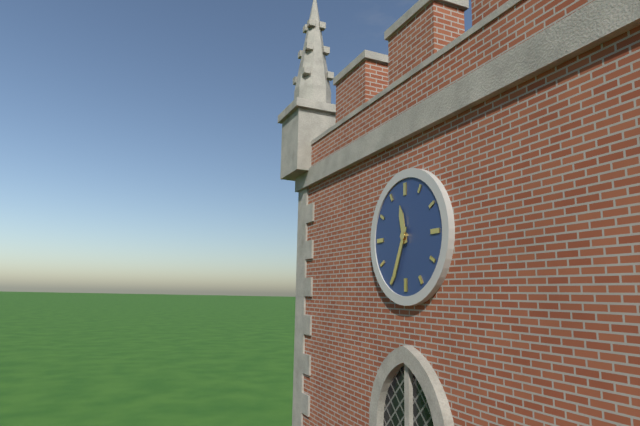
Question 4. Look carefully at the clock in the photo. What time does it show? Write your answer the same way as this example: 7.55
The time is 11.34
